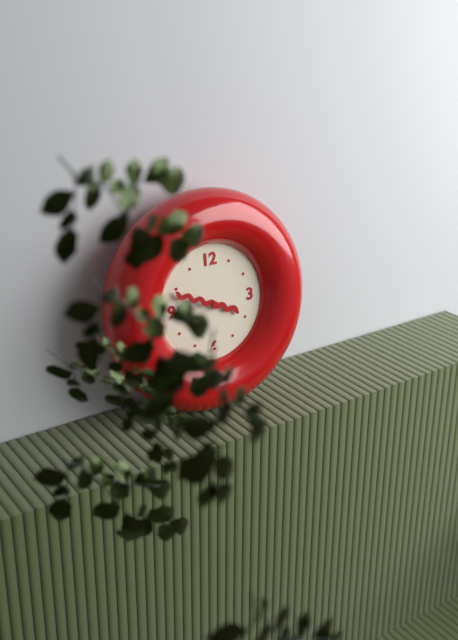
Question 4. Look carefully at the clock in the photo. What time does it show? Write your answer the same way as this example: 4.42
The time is 3.49
